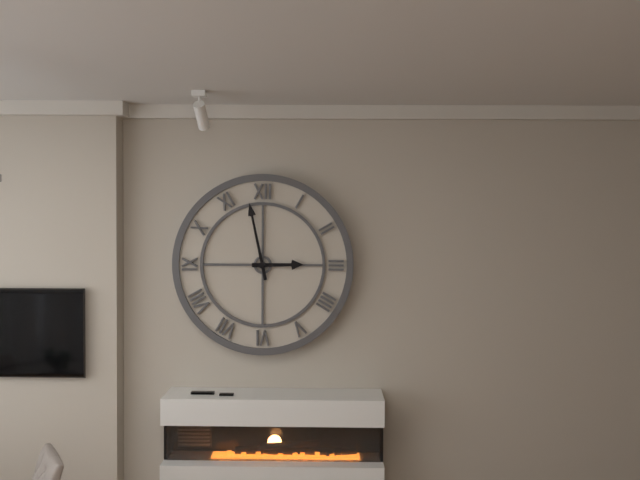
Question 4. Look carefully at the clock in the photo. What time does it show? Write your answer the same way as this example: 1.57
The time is 2.58
